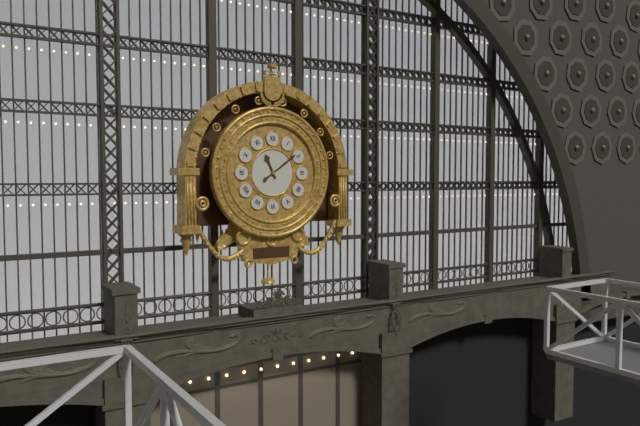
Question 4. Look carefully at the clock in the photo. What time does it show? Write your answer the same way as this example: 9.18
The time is 11.09
